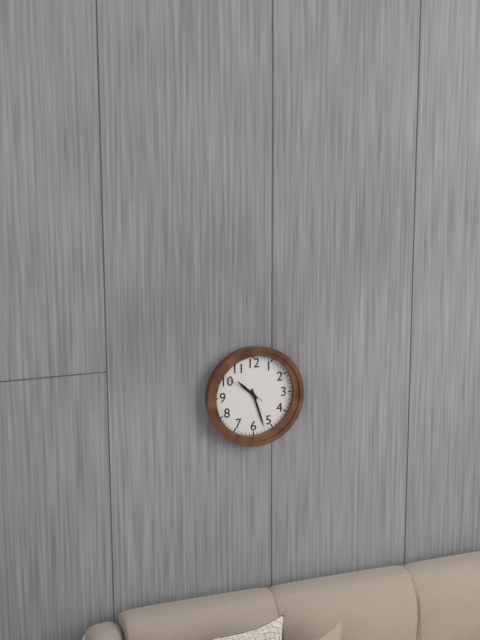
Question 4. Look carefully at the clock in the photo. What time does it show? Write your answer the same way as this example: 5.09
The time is 10.27
